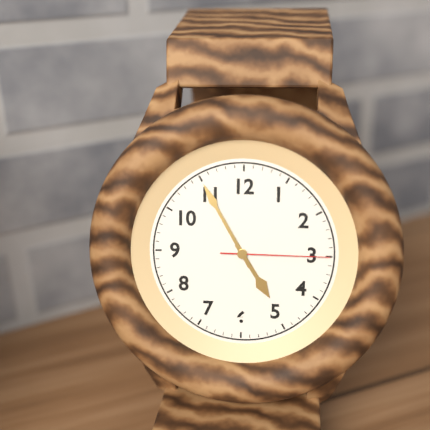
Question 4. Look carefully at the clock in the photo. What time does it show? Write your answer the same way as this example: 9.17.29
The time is 4.55.15
